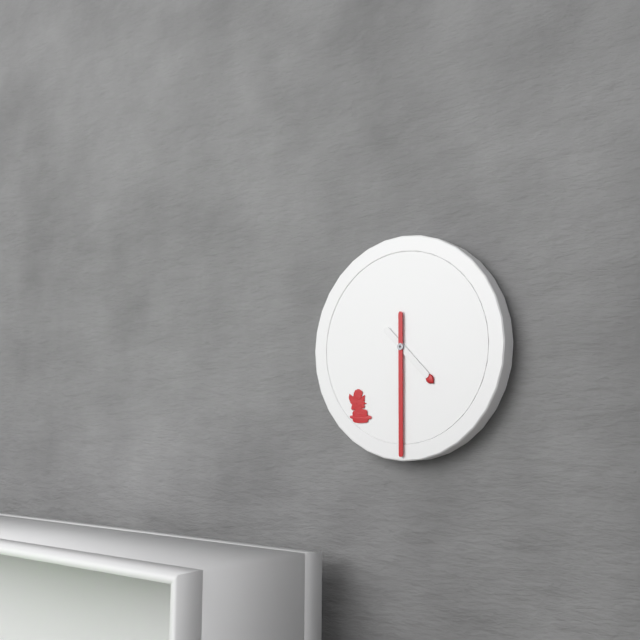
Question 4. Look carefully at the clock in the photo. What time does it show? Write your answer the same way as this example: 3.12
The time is 4.30
